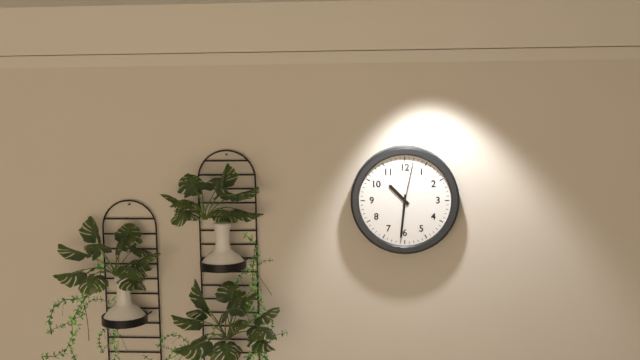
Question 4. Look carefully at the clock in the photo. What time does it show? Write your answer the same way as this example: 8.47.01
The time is 10.31.02
